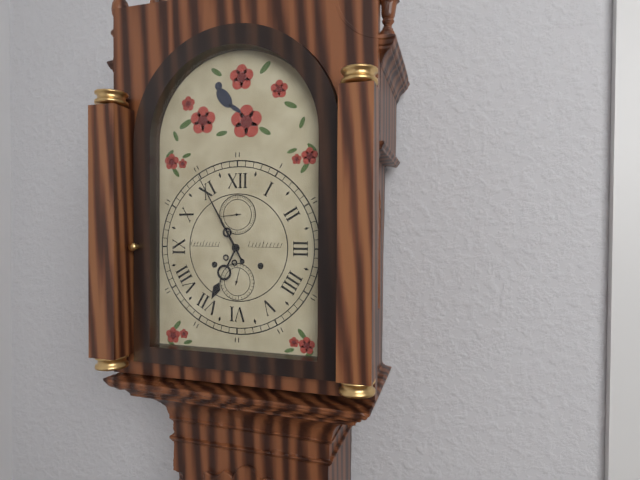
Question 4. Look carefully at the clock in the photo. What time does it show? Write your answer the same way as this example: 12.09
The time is 6.55
